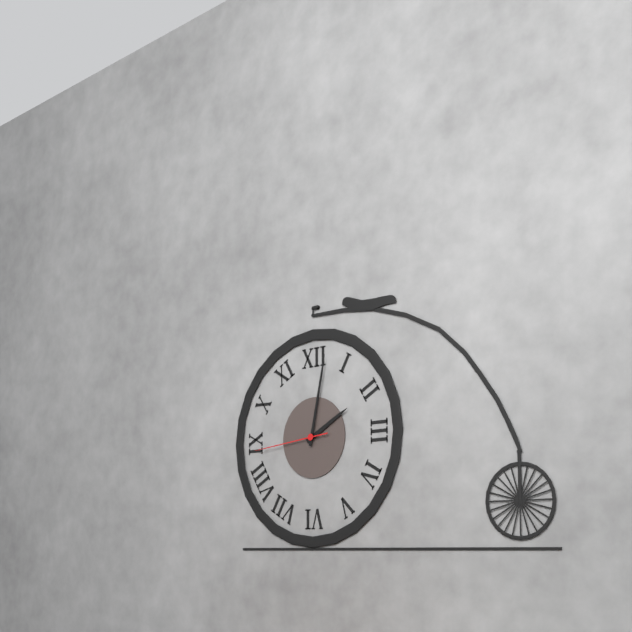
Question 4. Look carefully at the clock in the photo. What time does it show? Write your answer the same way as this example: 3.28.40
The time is 2.02.44
